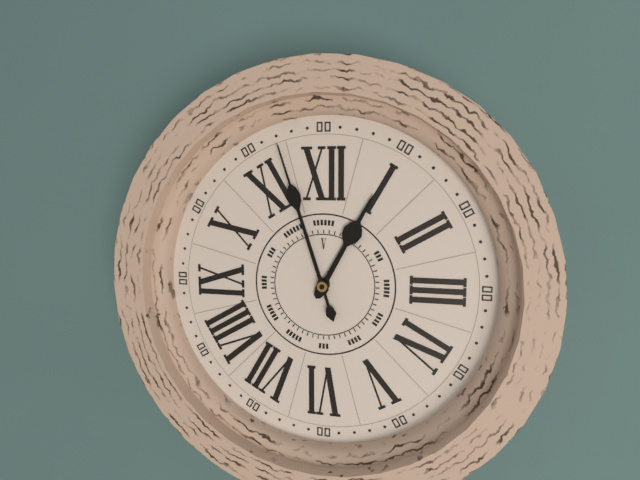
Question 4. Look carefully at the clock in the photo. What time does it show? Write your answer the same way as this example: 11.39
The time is 12.57
